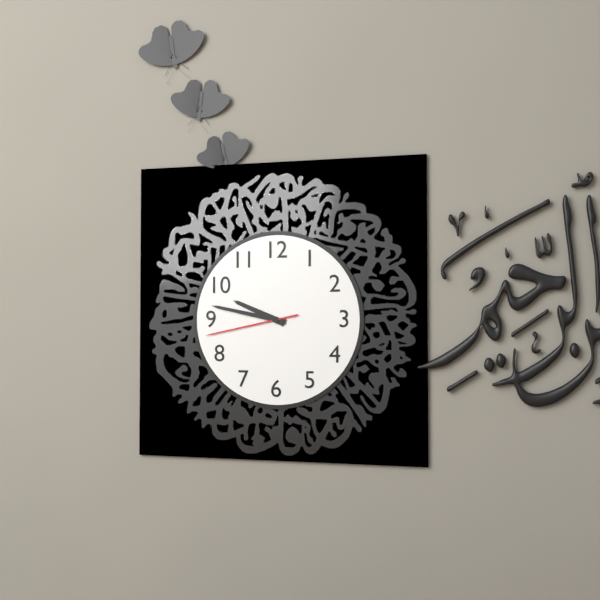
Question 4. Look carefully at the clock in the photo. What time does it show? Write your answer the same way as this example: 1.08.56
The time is 9.47.43
